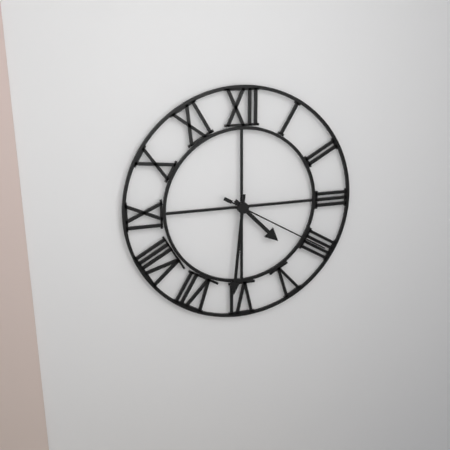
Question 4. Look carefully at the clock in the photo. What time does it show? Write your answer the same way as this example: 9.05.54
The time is 4.31.20
